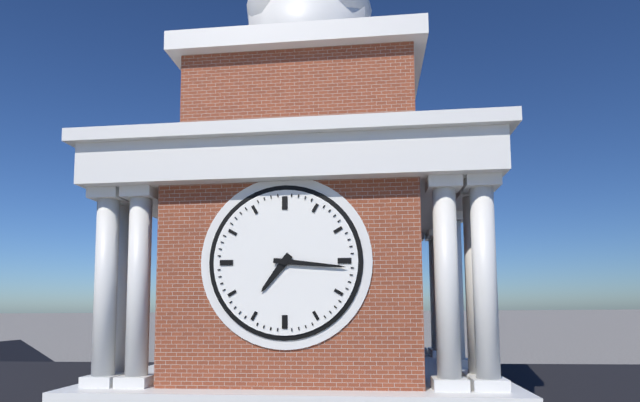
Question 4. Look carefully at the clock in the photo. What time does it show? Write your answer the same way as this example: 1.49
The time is 7.16
